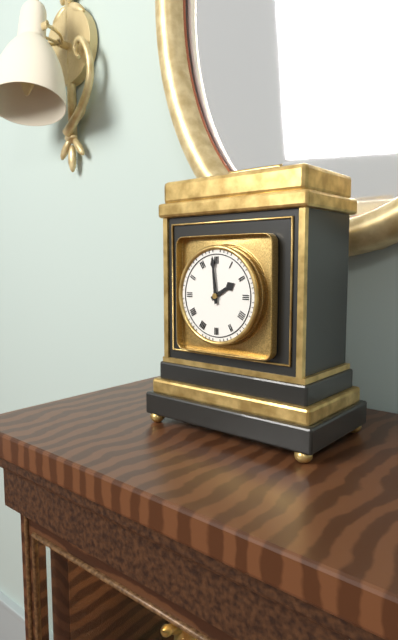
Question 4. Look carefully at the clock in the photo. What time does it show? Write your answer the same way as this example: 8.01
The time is 1.59
